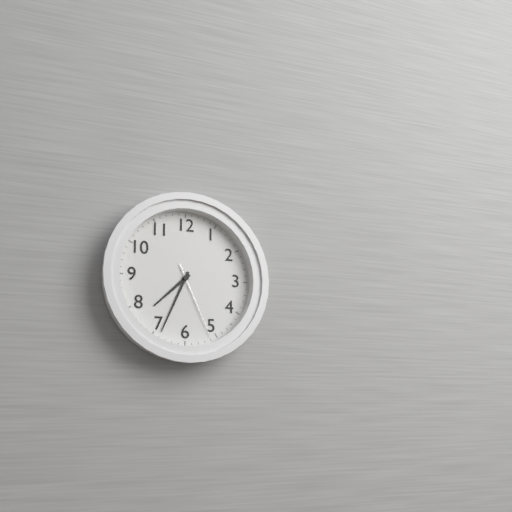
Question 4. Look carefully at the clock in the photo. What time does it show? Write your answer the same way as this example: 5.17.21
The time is 7.34.26
